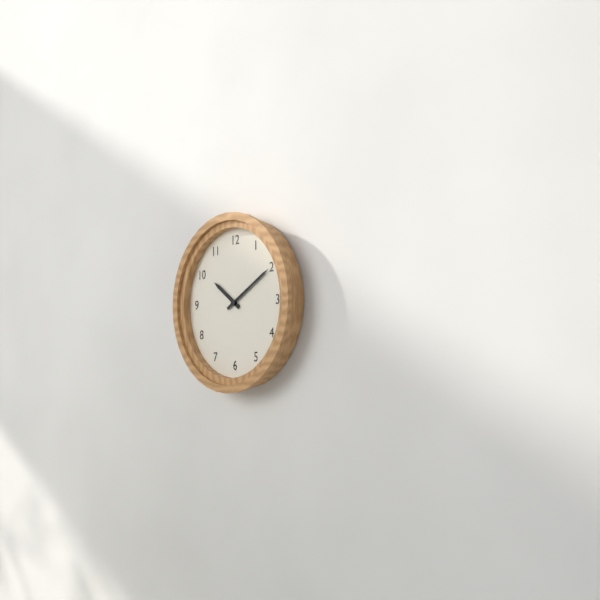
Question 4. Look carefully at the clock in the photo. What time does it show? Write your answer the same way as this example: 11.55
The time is 10.10
